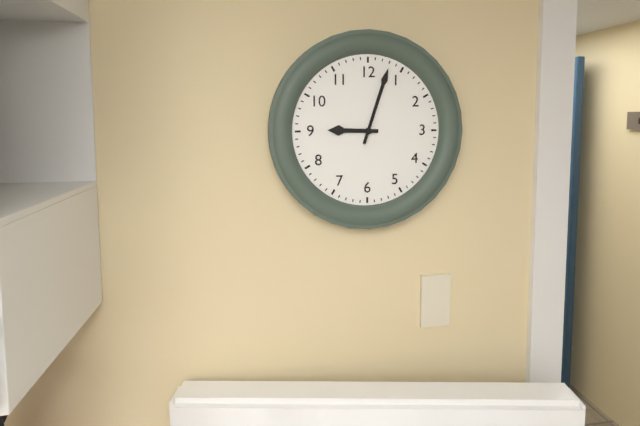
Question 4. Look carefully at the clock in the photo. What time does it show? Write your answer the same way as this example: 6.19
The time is 9.03
